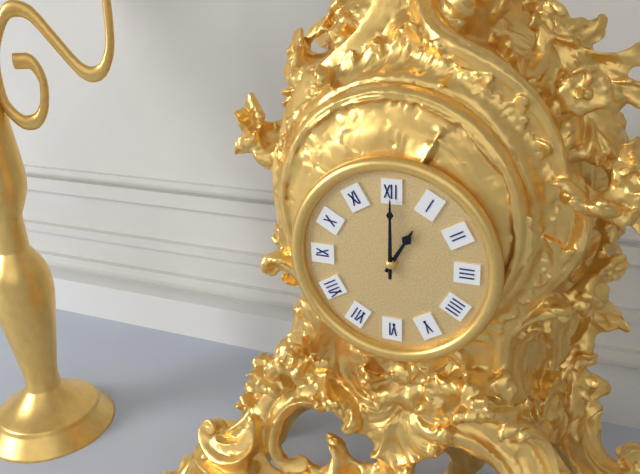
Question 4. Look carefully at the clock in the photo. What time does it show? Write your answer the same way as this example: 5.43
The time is 1.00
